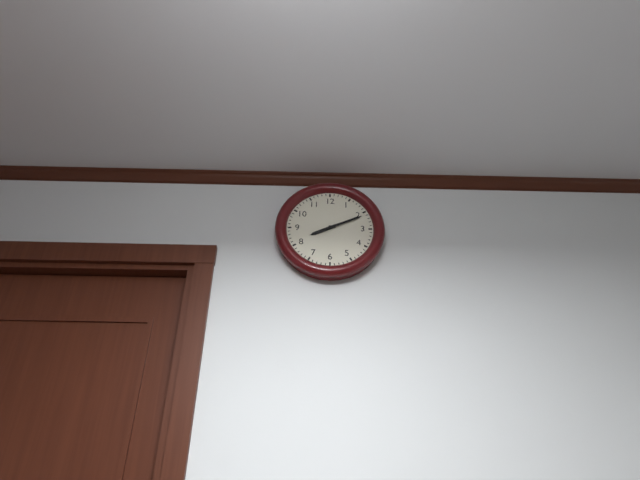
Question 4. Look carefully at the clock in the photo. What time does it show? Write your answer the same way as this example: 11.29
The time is 8.11
